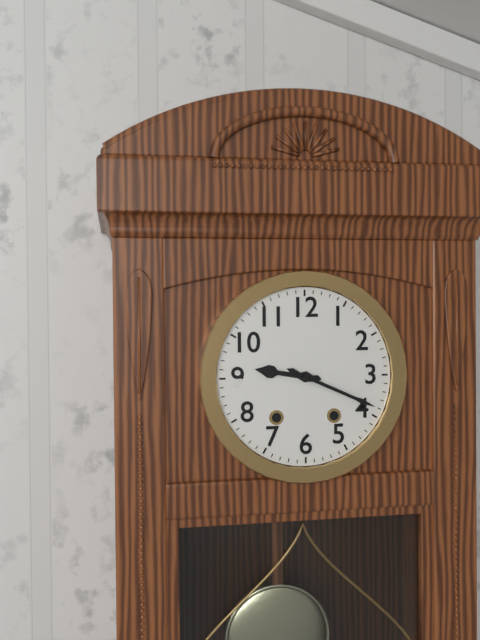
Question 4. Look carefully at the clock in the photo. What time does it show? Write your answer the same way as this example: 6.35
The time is 9.19
